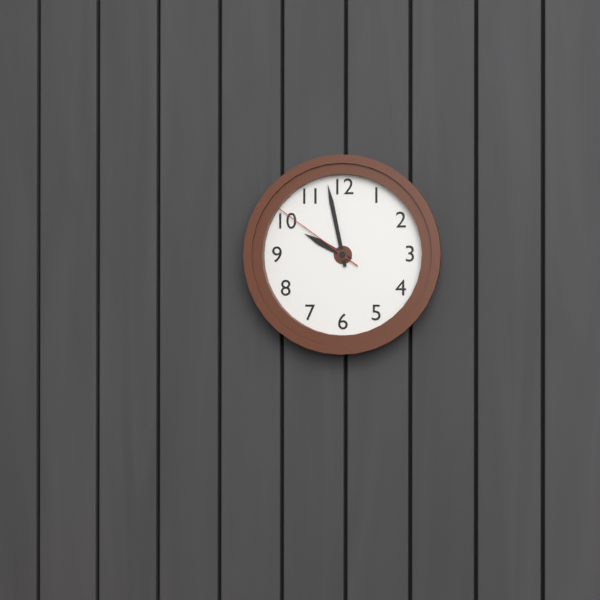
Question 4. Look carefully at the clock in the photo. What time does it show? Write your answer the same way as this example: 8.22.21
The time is 9.58.51
